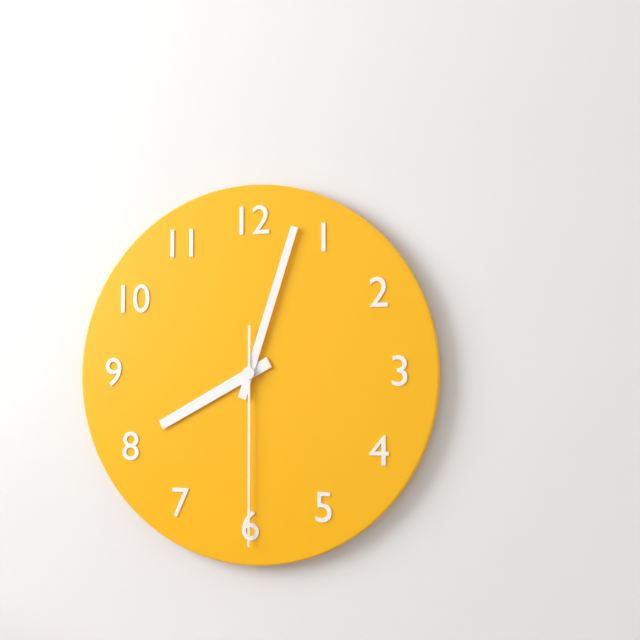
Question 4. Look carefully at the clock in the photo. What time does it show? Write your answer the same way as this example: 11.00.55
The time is 8.03.30
